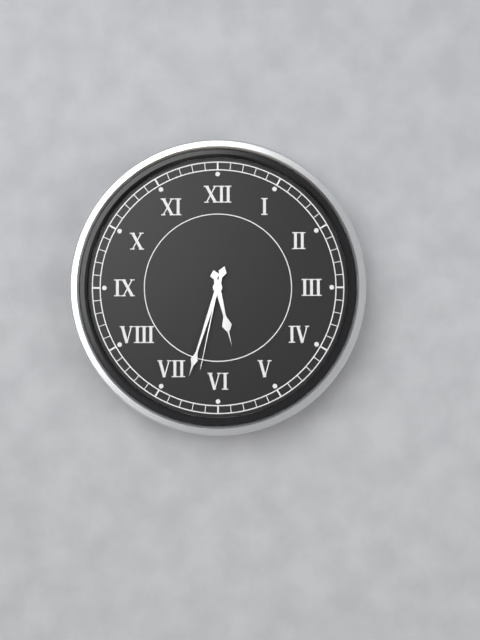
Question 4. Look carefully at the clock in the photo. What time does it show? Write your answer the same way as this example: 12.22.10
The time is 5.33.32
